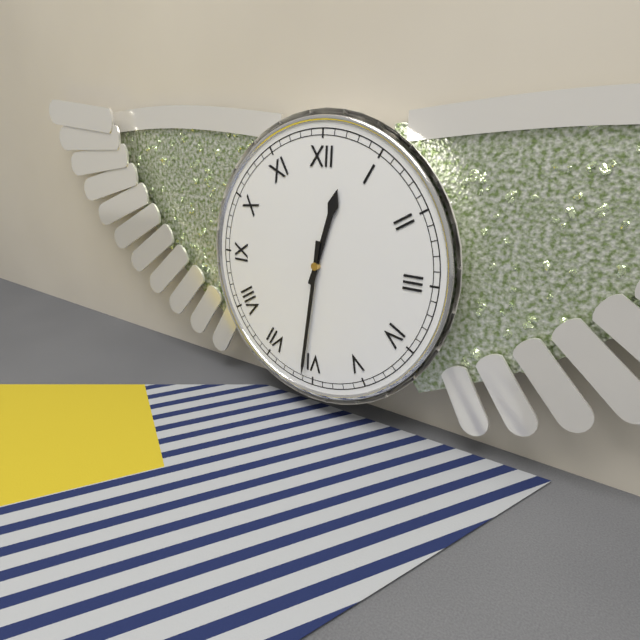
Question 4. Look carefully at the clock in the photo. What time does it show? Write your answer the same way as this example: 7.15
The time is 12.31
